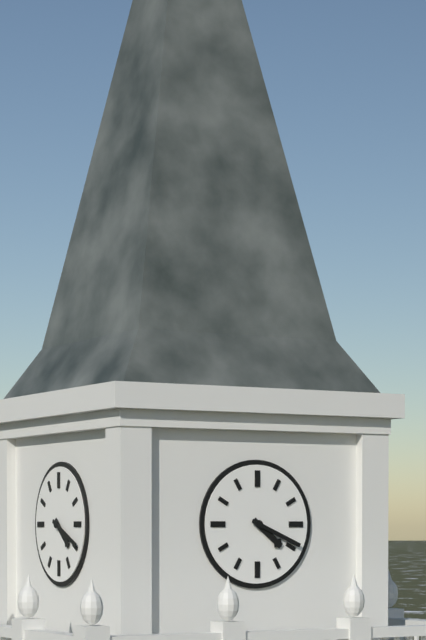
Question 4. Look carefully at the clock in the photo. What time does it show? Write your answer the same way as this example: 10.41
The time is 4.19
